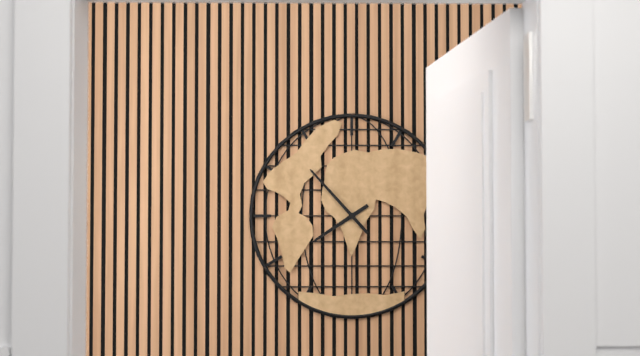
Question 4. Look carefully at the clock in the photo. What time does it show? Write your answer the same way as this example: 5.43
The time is 7.53
